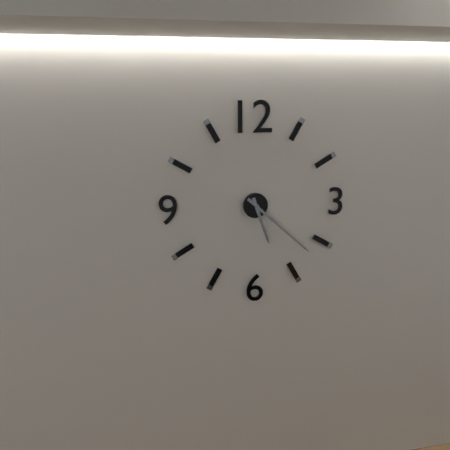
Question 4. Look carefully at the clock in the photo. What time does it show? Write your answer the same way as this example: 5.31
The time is 5.22
